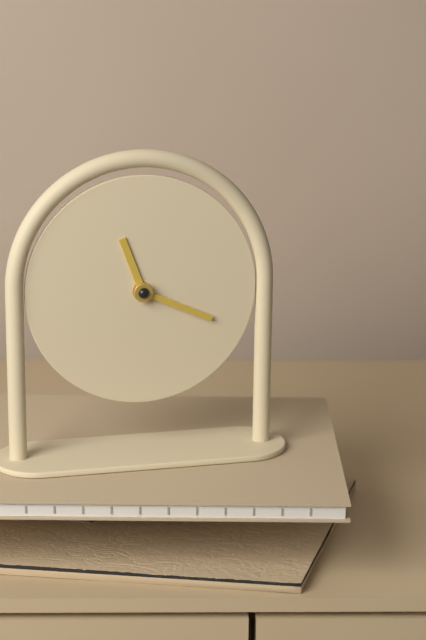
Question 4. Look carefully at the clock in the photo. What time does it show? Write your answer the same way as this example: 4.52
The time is 11.19
